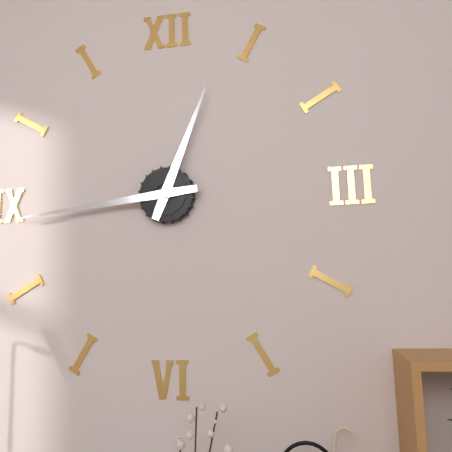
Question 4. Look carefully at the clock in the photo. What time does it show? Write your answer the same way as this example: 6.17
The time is 12.44
